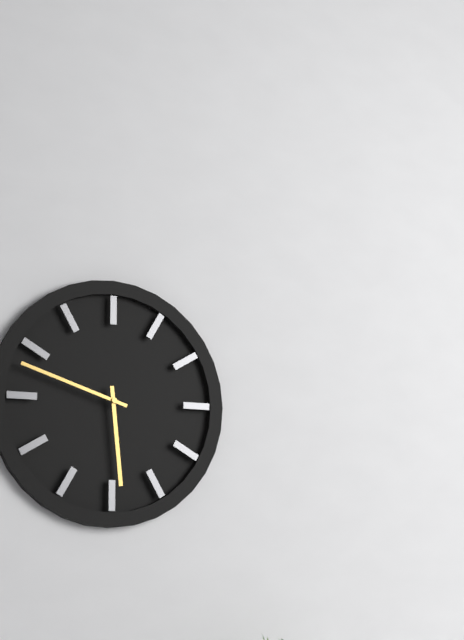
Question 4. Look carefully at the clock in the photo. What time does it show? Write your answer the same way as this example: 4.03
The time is 5.48
